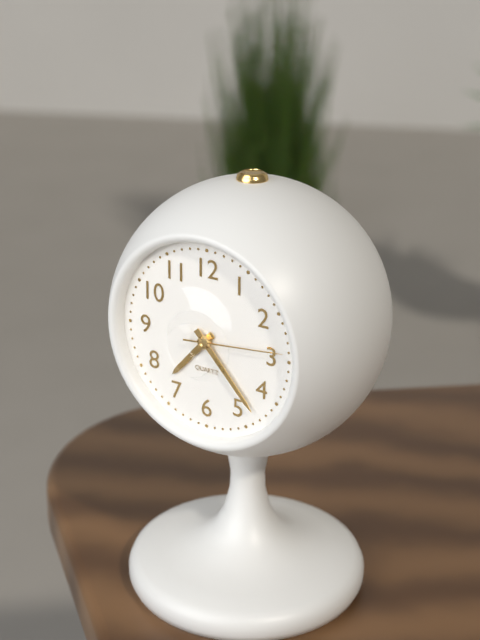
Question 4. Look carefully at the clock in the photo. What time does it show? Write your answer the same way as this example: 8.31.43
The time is 7.23.14
